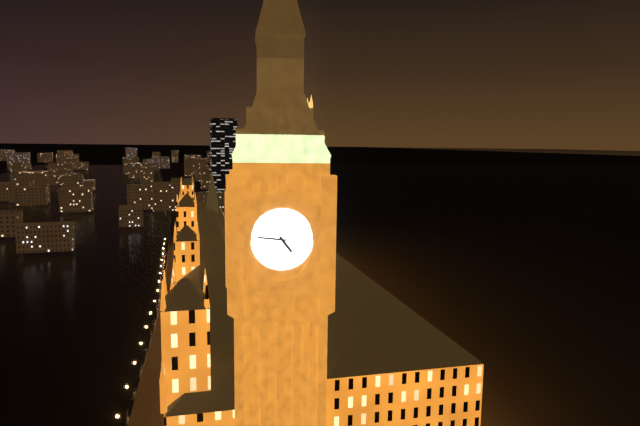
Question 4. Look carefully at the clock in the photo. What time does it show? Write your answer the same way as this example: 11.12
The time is 4.46
